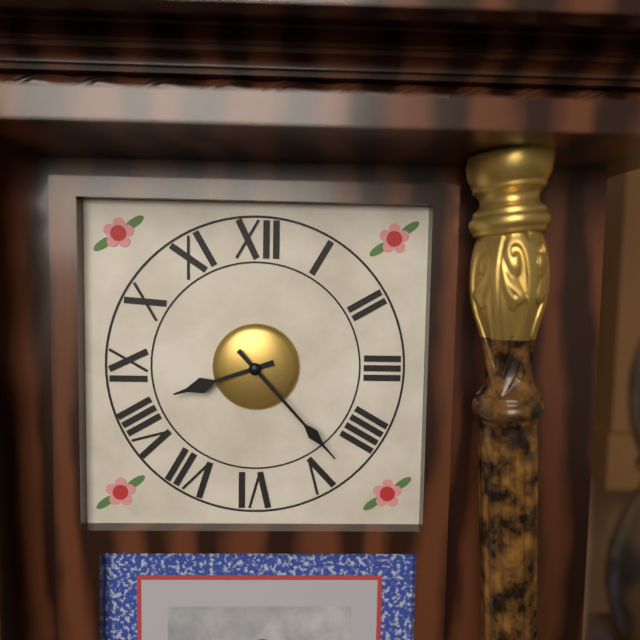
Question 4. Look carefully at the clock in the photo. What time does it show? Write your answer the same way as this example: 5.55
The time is 8.23
